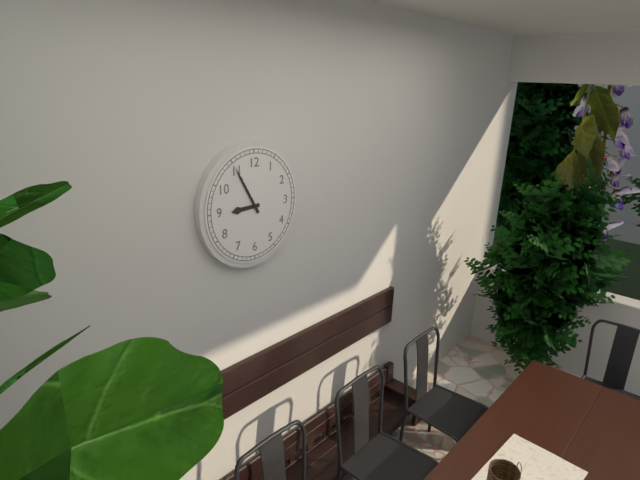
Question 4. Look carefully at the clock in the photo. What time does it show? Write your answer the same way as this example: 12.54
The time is 8.55
